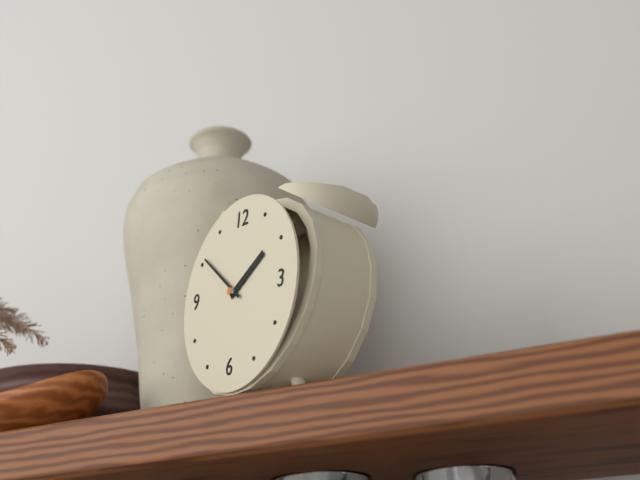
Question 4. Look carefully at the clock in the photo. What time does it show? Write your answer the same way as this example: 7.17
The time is 1.51
